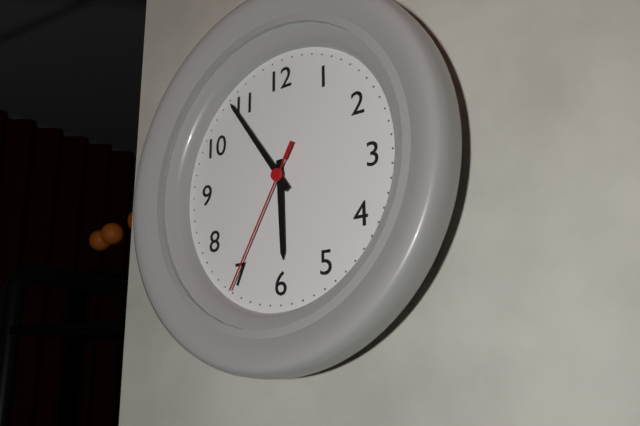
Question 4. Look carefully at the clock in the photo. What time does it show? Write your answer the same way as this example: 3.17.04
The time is 5.54.35
